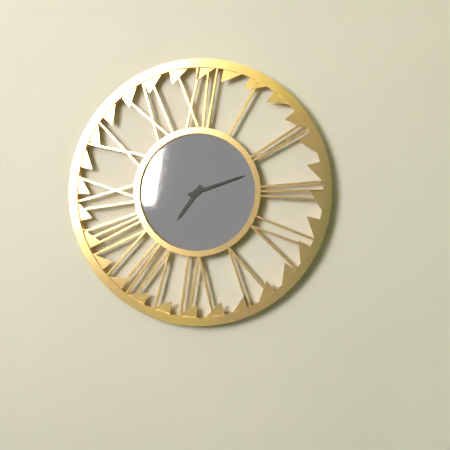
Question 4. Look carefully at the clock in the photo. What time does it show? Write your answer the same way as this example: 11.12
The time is 7.12
